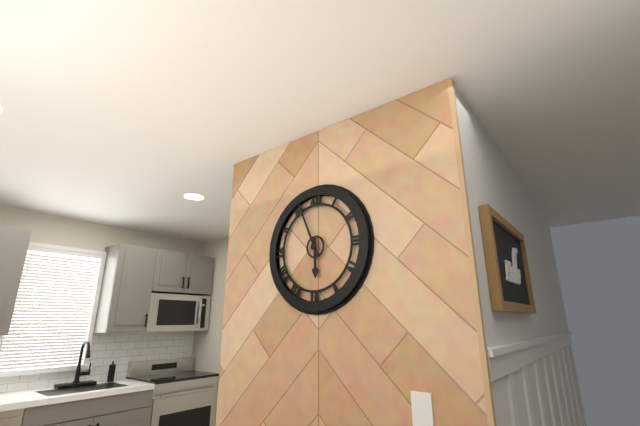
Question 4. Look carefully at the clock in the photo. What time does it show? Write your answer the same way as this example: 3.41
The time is 5.56
